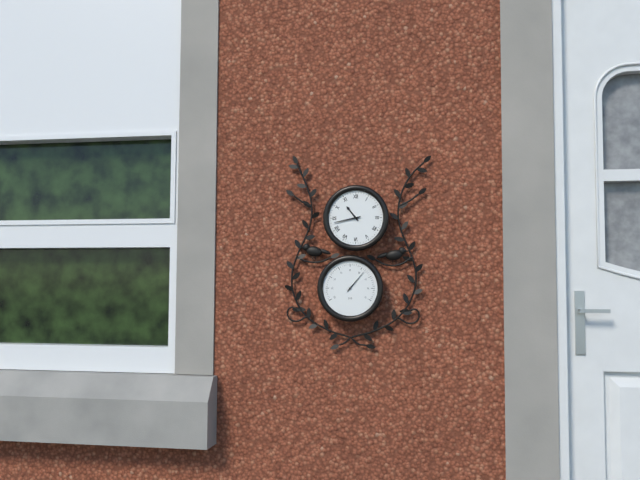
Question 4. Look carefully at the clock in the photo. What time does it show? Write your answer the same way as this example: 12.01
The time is 10.43
